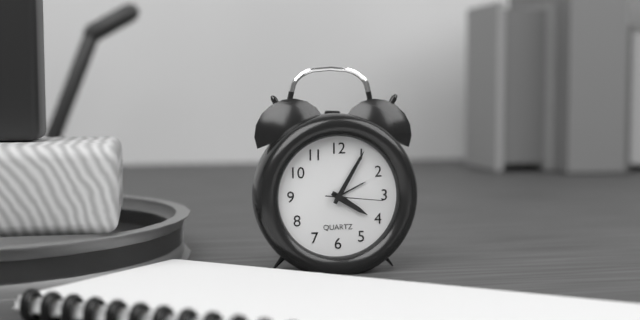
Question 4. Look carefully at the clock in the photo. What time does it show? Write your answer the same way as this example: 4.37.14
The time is 4.05.16
